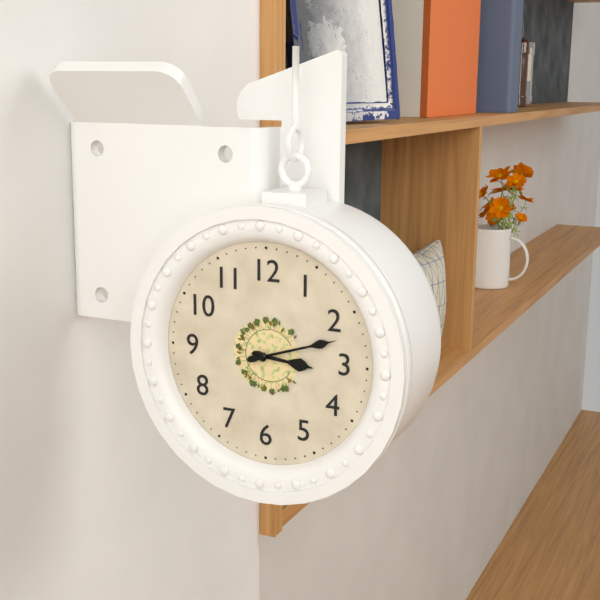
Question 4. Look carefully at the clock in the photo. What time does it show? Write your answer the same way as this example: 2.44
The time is 3.12
